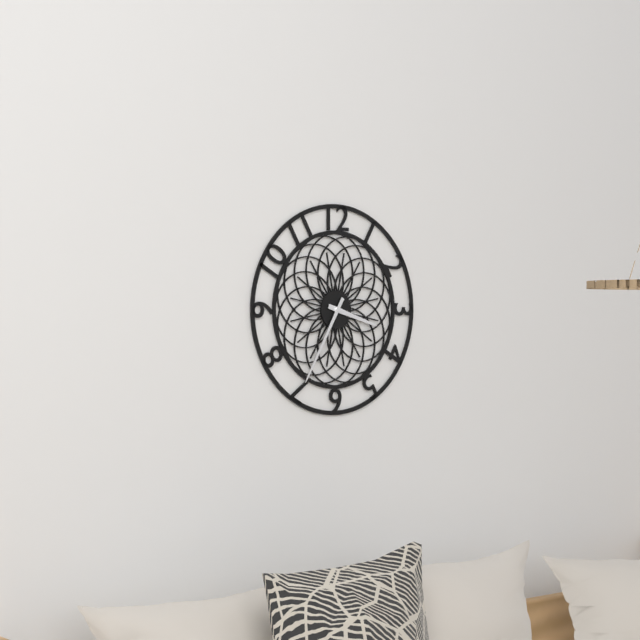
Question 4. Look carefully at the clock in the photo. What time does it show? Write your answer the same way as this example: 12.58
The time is 3.35
